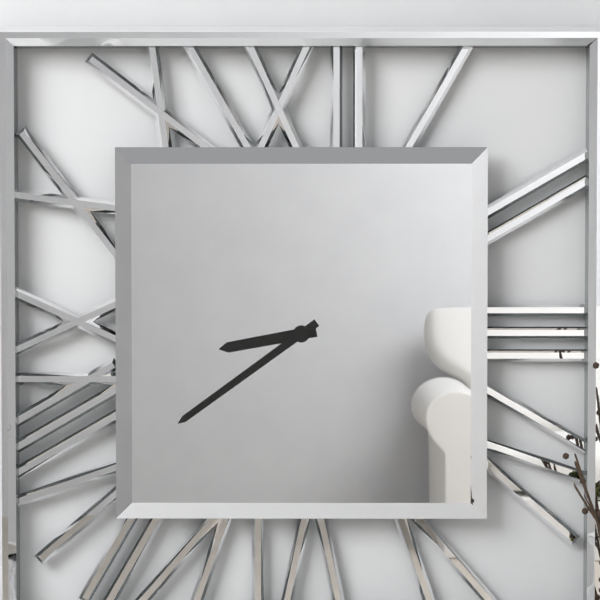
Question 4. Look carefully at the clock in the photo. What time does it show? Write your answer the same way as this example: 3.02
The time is 8.39
